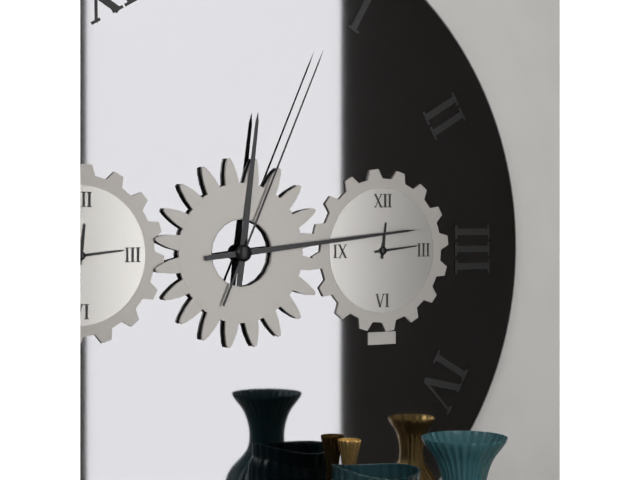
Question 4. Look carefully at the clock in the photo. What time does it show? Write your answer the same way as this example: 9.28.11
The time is 12.14.04
